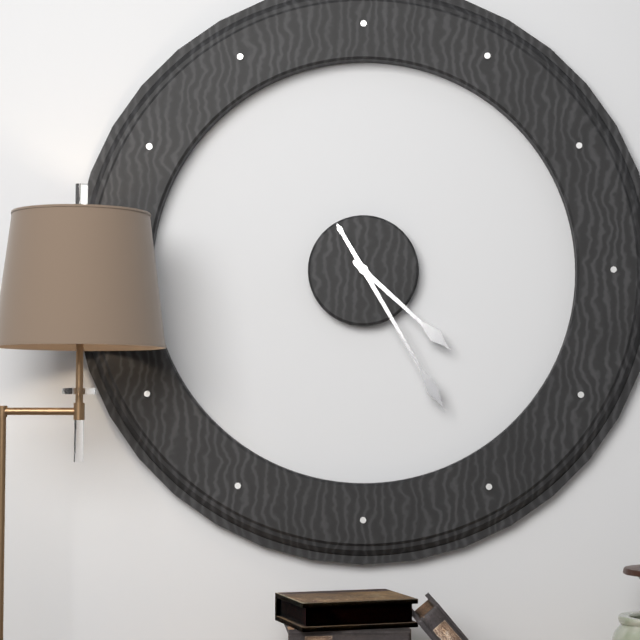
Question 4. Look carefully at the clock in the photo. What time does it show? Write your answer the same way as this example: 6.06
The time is 4.25
